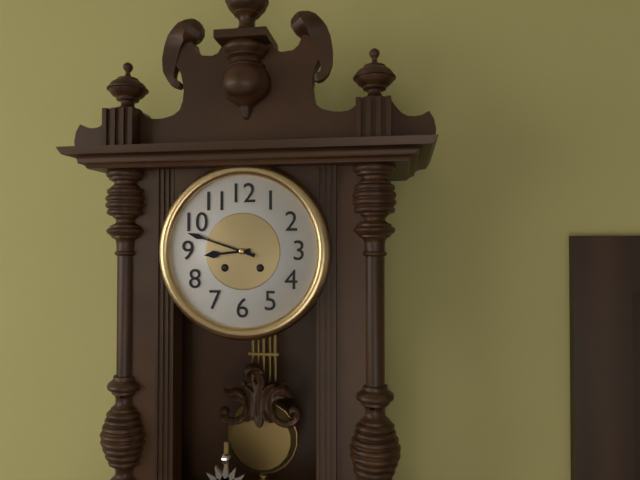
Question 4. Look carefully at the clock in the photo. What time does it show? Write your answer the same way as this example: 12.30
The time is 8.48
